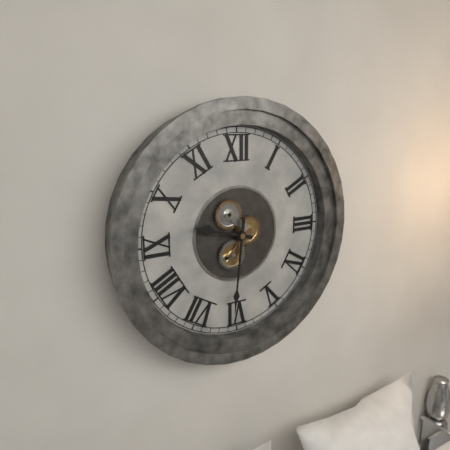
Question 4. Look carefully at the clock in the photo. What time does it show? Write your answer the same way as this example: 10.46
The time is 9.31
